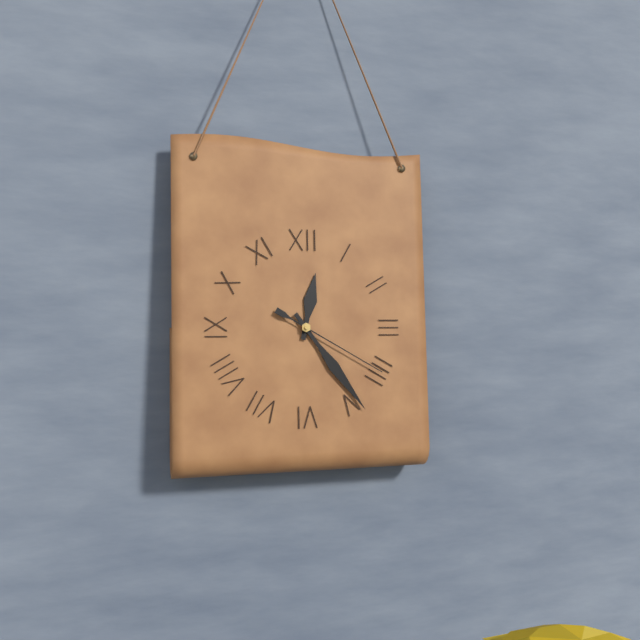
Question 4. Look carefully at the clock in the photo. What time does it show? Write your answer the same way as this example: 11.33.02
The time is 12.24.20
